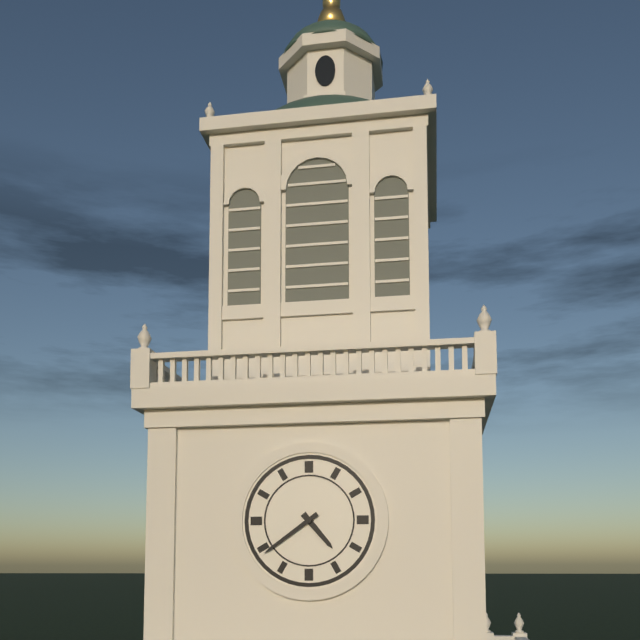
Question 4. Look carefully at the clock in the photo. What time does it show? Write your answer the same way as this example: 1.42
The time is 4.39
